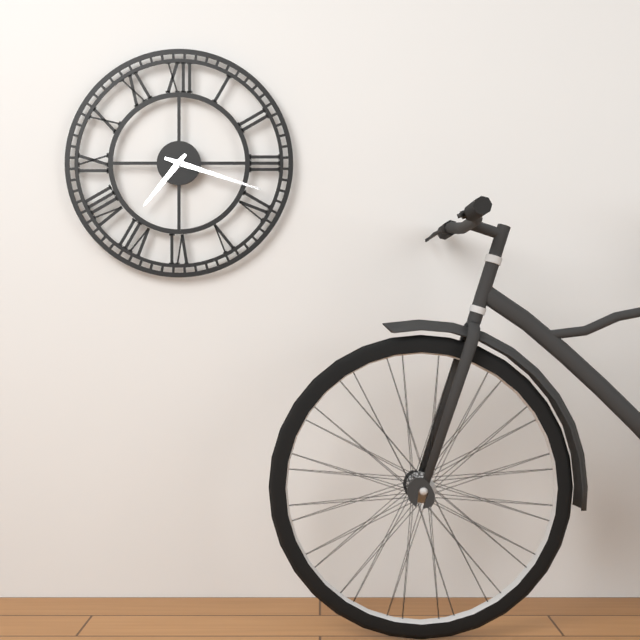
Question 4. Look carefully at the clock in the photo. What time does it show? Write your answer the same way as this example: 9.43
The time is 7.18
